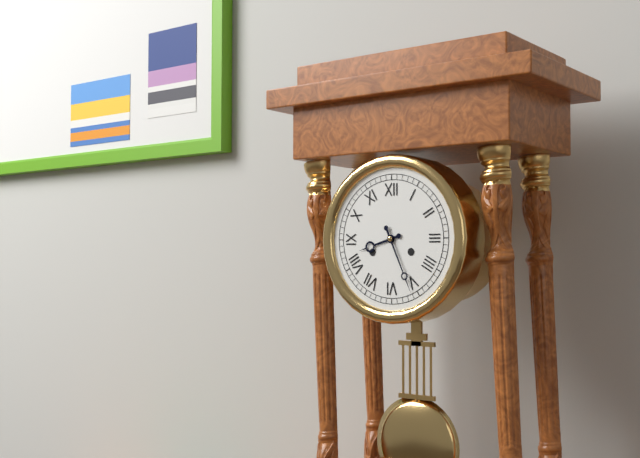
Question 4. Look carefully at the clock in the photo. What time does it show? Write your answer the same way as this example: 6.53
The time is 8.26
